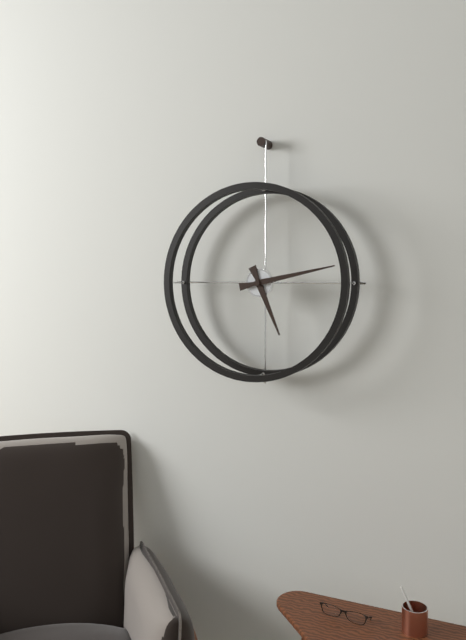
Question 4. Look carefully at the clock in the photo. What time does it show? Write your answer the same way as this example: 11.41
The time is 5.13
